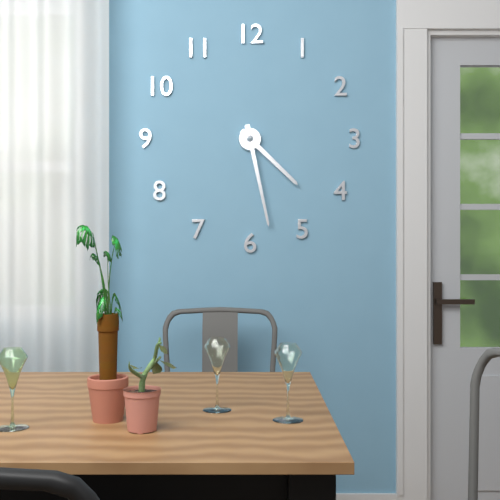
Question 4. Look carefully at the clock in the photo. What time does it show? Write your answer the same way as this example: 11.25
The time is 4.28
